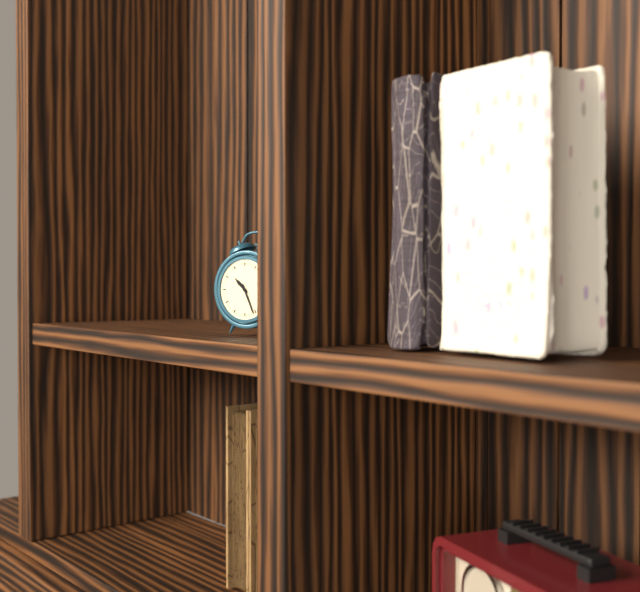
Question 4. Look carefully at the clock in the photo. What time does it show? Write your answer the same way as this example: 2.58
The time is 10.26
